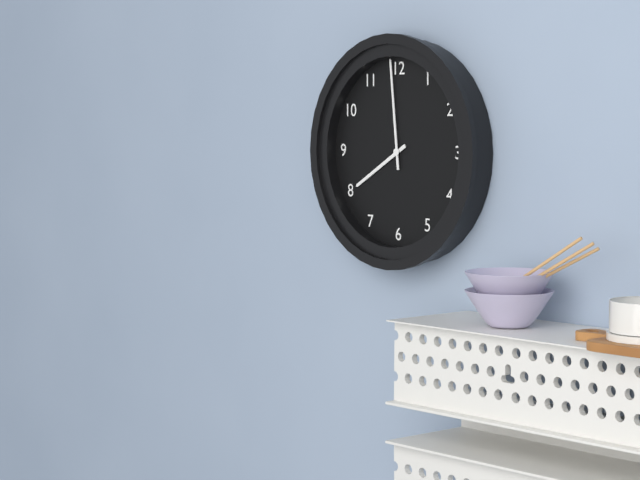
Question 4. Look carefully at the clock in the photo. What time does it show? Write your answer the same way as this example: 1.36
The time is 7.59
